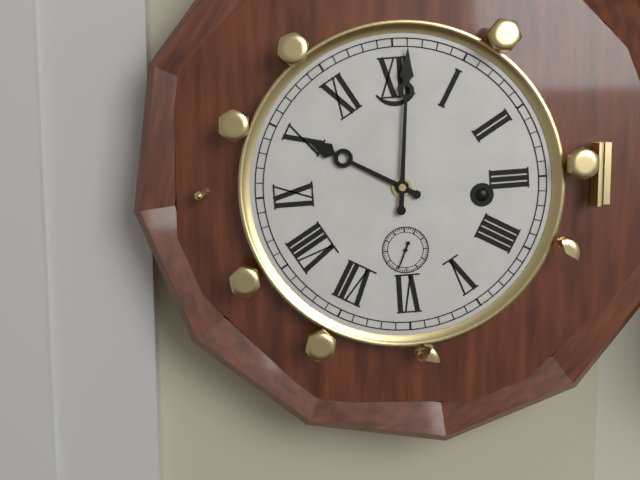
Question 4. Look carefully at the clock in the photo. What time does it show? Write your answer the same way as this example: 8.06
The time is 10.01
